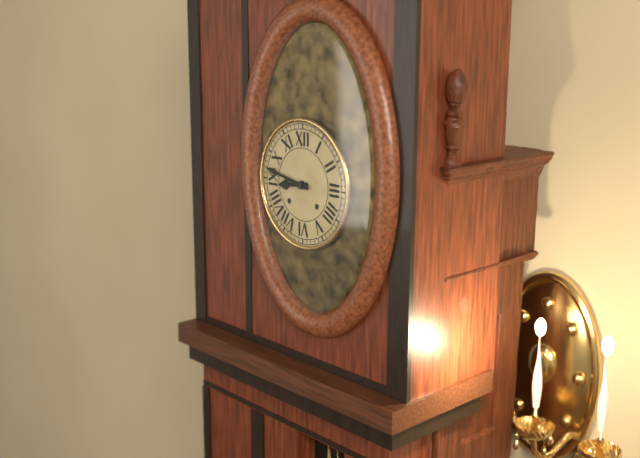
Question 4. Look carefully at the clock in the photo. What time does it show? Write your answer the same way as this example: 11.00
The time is 8.47
